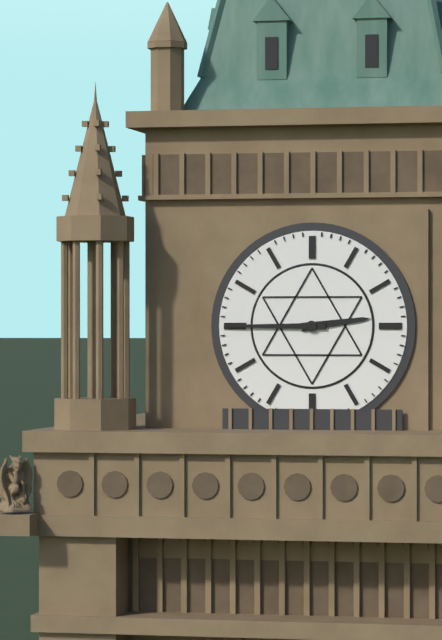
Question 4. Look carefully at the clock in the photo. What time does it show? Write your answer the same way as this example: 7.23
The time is 2.45
